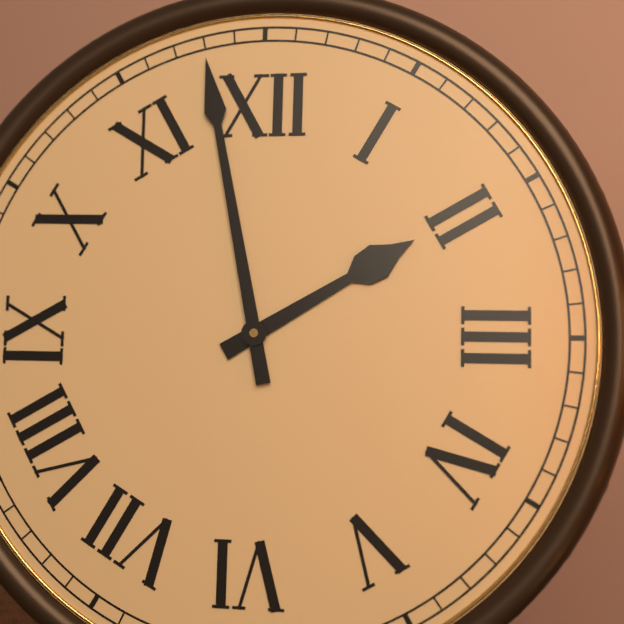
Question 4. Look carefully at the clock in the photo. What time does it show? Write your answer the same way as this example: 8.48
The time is 1.58
